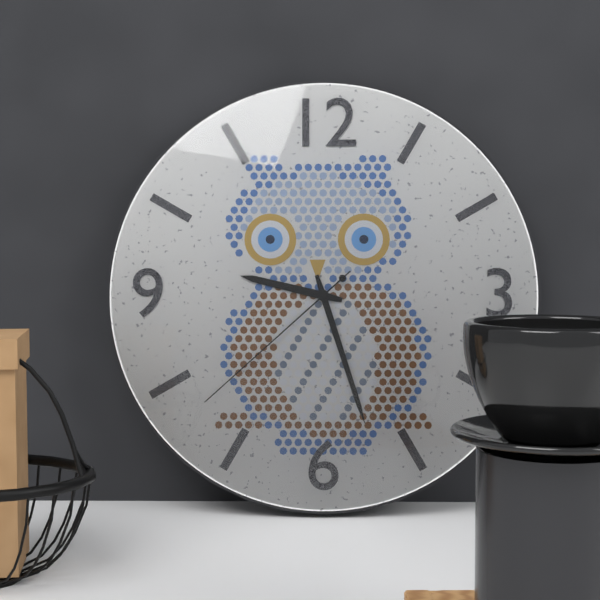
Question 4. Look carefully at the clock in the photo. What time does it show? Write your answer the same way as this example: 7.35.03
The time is 9.27.38
